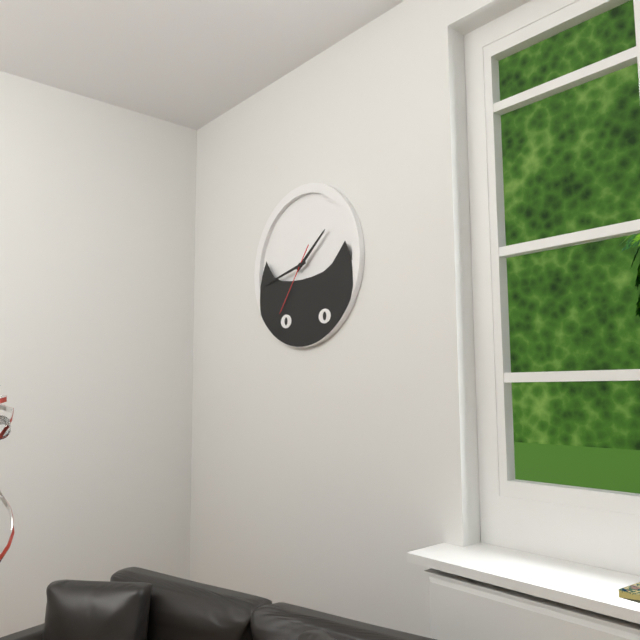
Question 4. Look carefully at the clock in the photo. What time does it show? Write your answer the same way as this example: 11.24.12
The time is 1.43.36
